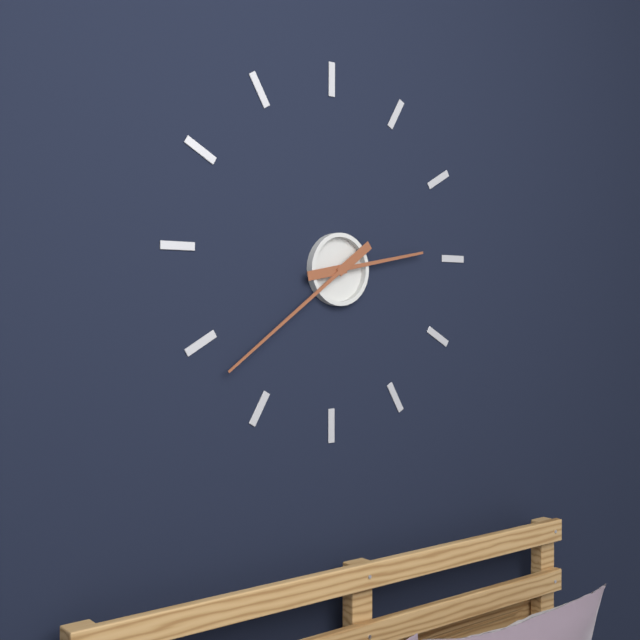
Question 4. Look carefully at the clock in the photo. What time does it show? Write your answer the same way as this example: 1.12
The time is 2.39
